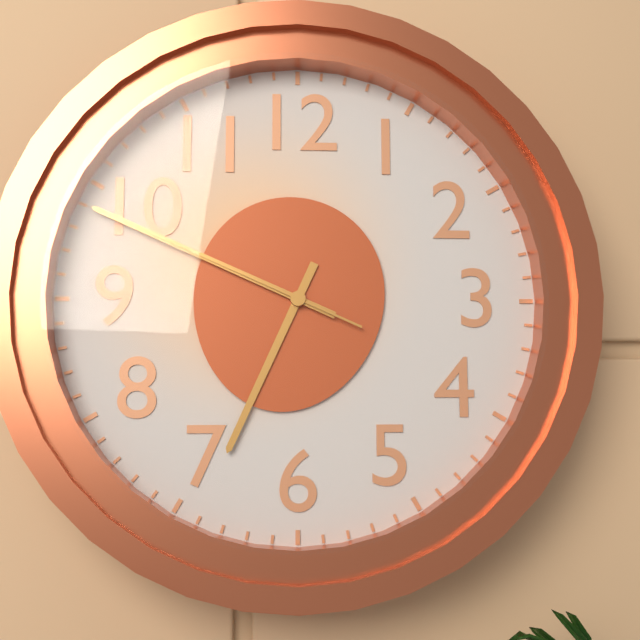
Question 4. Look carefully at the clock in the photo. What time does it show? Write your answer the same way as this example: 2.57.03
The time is 6.49.49
